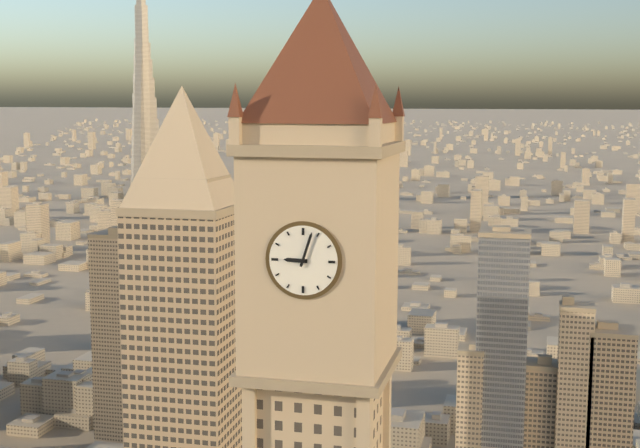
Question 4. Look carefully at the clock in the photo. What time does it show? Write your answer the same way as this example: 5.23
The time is 9.03
